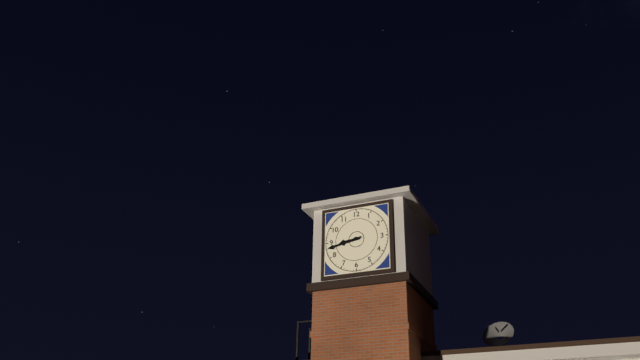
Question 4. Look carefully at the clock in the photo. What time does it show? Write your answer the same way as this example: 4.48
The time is 8.43
